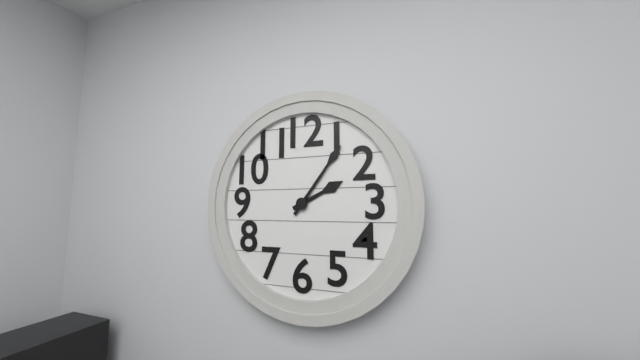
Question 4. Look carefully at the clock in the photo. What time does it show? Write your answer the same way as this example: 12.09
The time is 2.06
